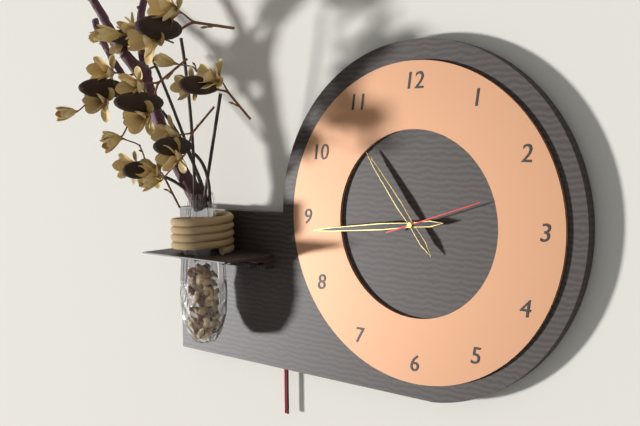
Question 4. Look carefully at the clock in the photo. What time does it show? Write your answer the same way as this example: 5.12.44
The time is 10.44.12
